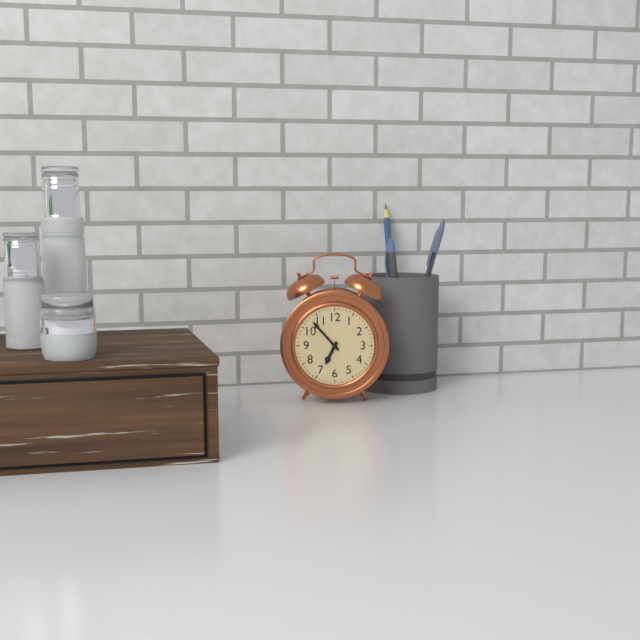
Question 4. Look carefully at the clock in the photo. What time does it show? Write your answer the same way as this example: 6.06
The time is 6.53
